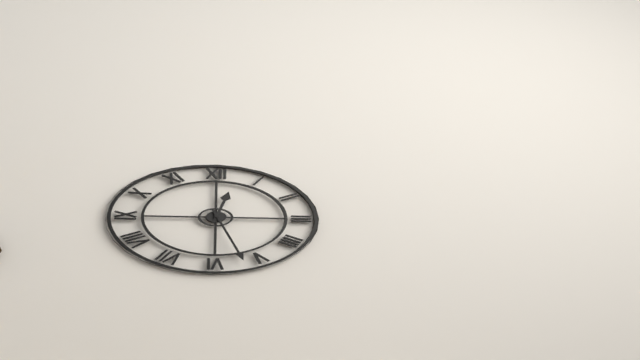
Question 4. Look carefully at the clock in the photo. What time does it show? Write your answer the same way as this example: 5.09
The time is 12.27
